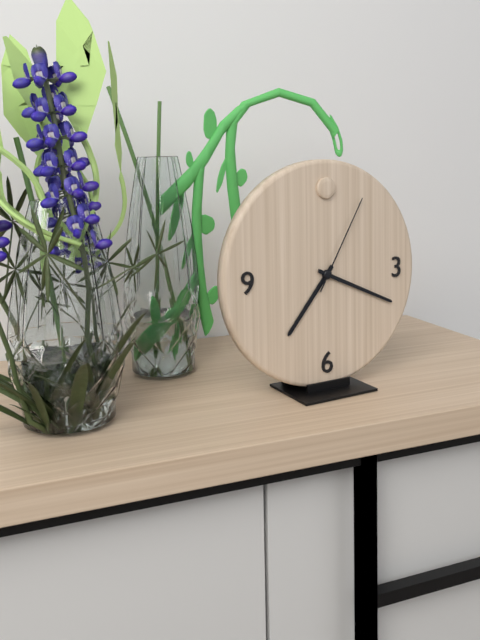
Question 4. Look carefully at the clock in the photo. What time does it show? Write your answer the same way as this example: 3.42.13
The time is 7.19.05
